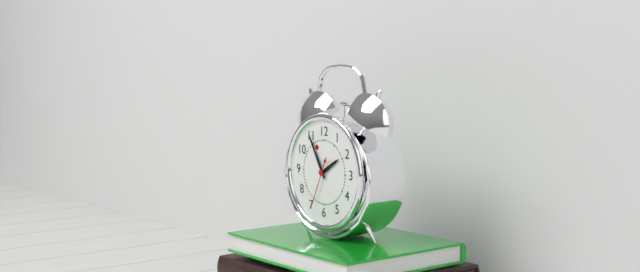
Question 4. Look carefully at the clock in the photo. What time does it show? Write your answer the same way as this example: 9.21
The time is 1.55
